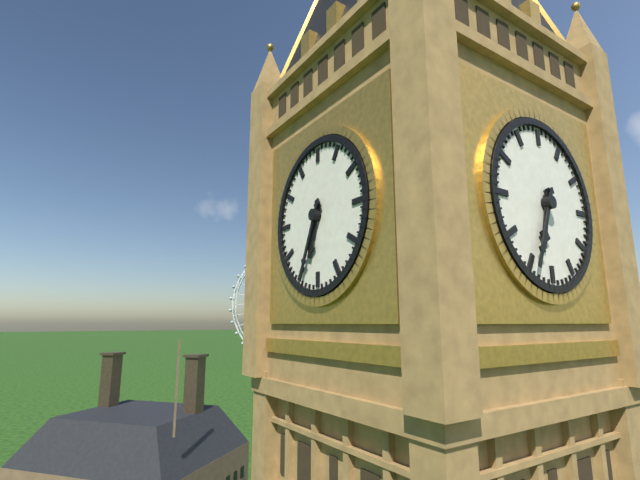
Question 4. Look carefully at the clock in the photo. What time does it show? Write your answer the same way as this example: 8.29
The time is 6.34
